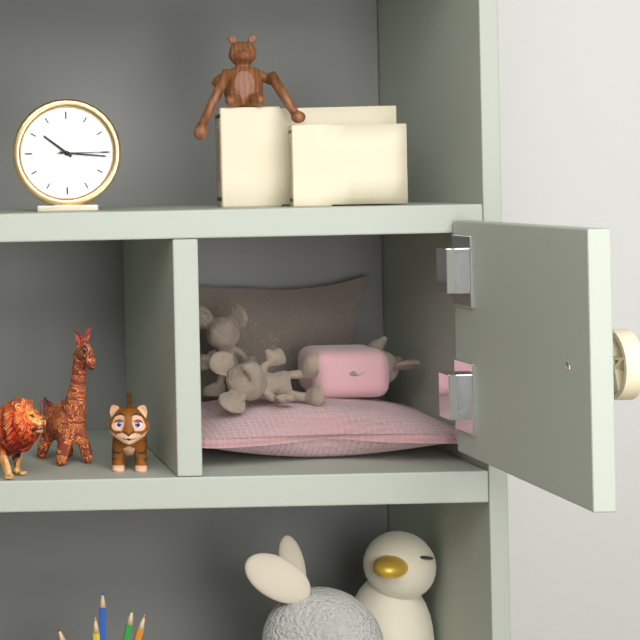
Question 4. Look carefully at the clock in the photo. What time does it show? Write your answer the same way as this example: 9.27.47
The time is 10.16.15
